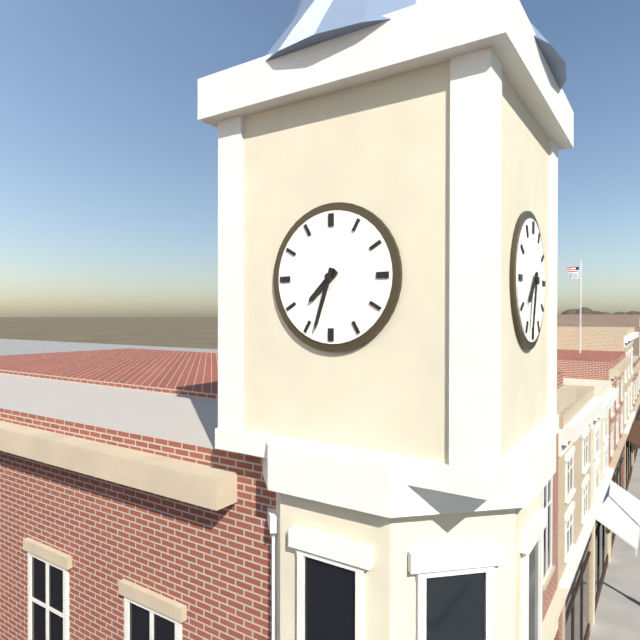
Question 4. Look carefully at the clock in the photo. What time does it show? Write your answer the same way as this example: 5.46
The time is 7.33
